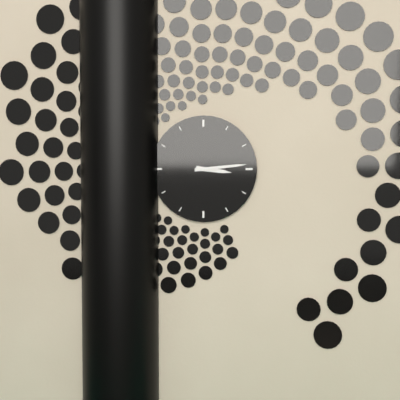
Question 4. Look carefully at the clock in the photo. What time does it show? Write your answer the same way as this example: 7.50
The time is 3.14
